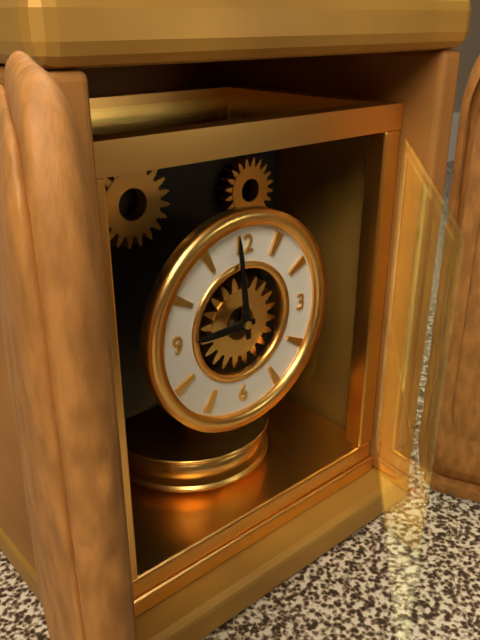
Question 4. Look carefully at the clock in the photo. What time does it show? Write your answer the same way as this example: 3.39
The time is 8.59
